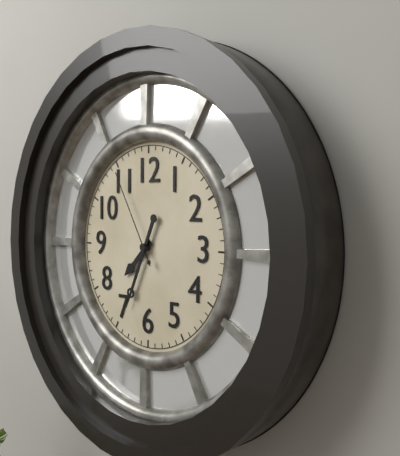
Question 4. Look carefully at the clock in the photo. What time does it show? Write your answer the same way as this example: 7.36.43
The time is 7.34.55
